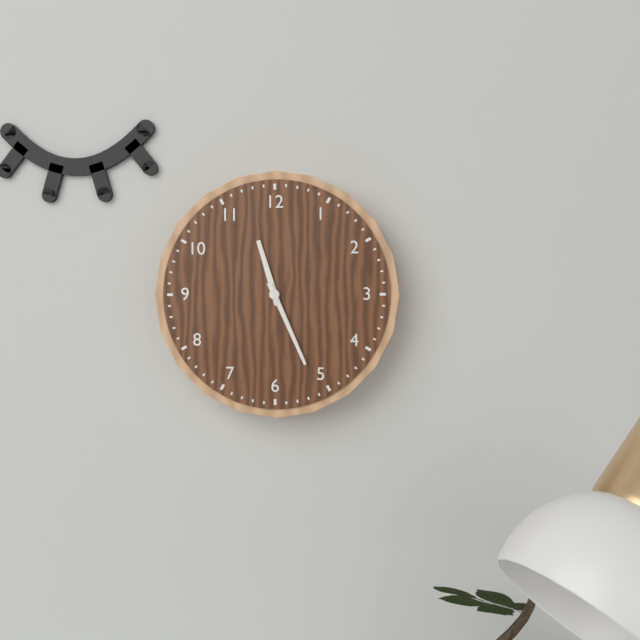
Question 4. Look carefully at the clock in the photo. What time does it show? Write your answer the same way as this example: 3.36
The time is 11.26
